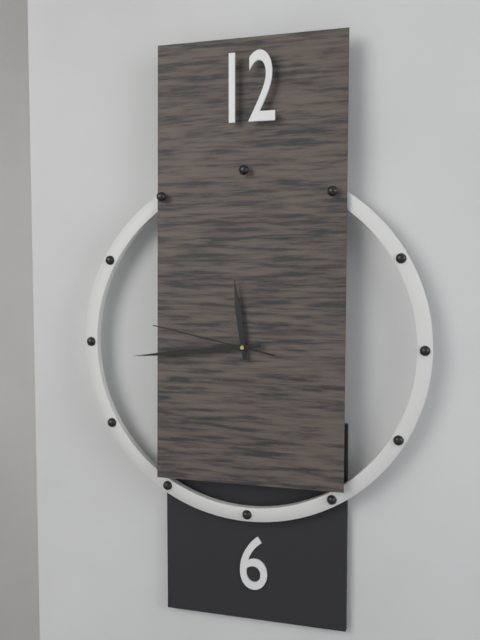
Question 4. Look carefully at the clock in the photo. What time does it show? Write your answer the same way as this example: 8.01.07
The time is 11.44.47
